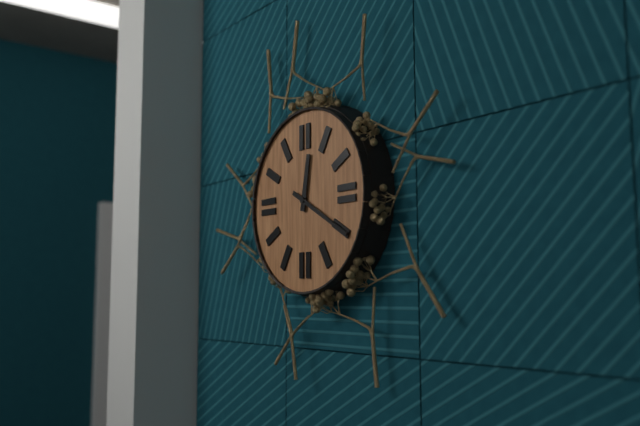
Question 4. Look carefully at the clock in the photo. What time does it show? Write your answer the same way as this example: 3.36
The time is 12.20
